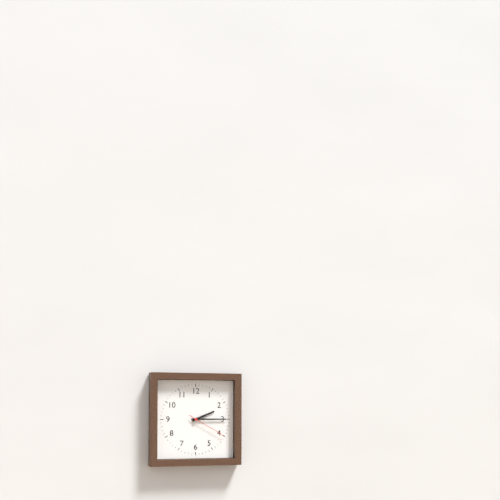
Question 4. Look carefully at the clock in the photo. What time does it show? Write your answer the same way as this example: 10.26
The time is 2.15
